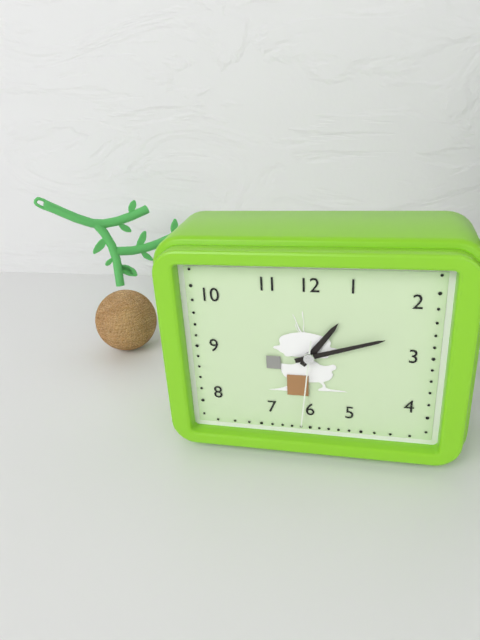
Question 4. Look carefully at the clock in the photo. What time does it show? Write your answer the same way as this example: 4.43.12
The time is 1.12.31
